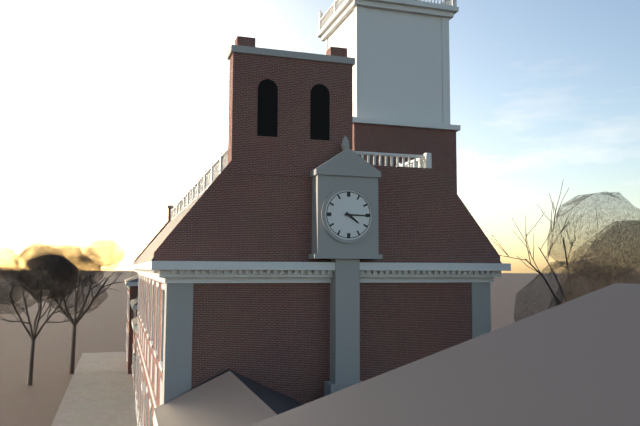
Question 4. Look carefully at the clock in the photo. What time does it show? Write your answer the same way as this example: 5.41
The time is 4.15
